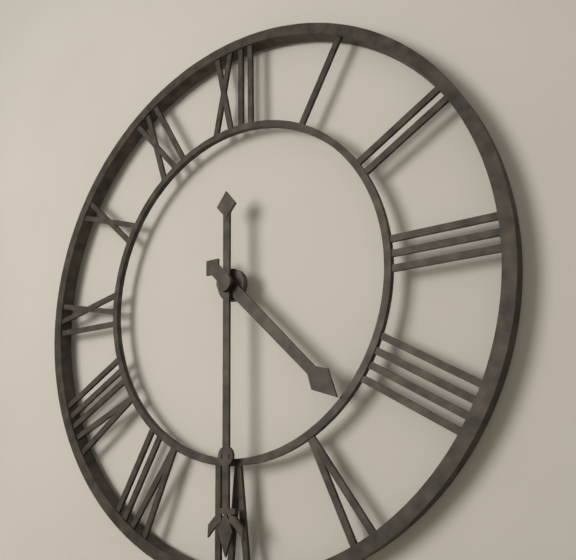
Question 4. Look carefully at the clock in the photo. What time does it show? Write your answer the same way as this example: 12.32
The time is 4.30
